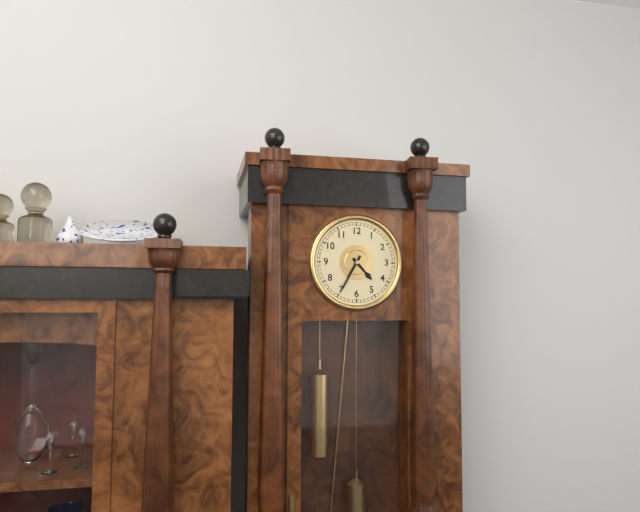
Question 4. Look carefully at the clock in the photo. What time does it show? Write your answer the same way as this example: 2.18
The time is 4.35
